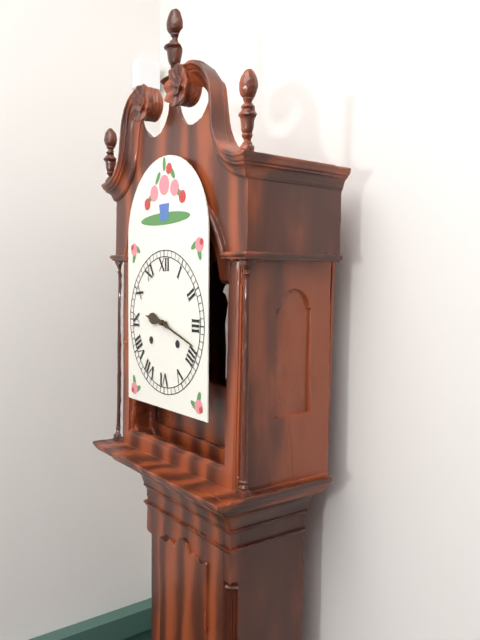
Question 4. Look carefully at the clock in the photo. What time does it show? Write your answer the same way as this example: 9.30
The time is 9.18
